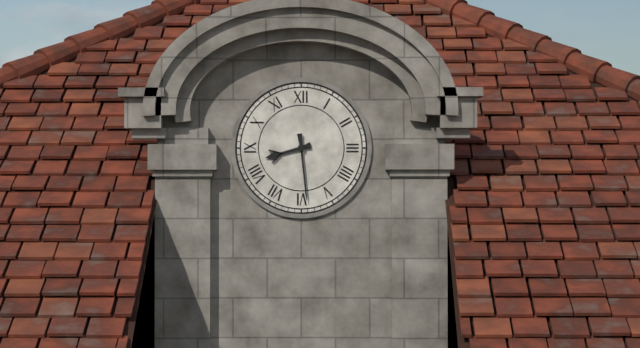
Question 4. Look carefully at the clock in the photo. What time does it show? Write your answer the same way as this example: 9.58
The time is 8.29
